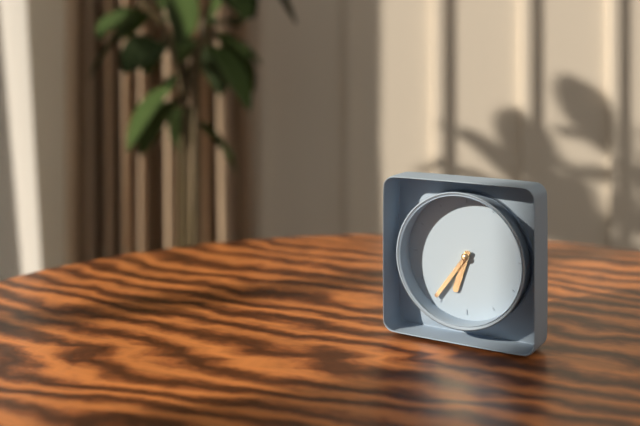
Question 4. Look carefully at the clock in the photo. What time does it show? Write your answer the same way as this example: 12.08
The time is 6.36
